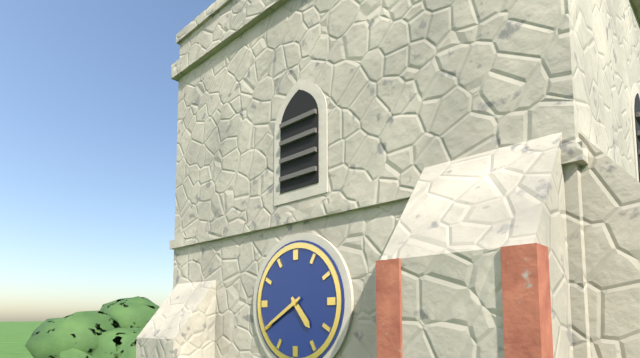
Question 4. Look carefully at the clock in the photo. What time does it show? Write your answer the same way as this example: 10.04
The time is 4.40
